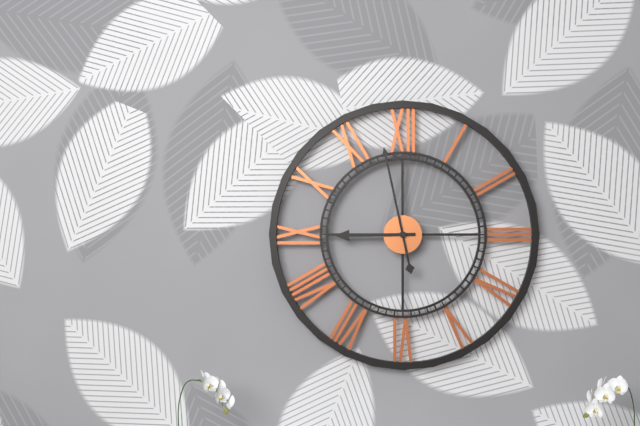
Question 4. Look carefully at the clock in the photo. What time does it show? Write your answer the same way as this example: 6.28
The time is 8.58
